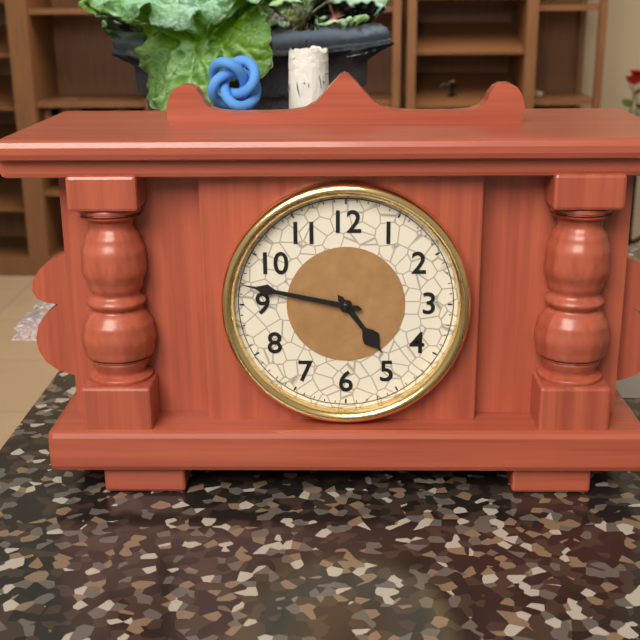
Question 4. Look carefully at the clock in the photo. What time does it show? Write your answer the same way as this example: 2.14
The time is 4.47
